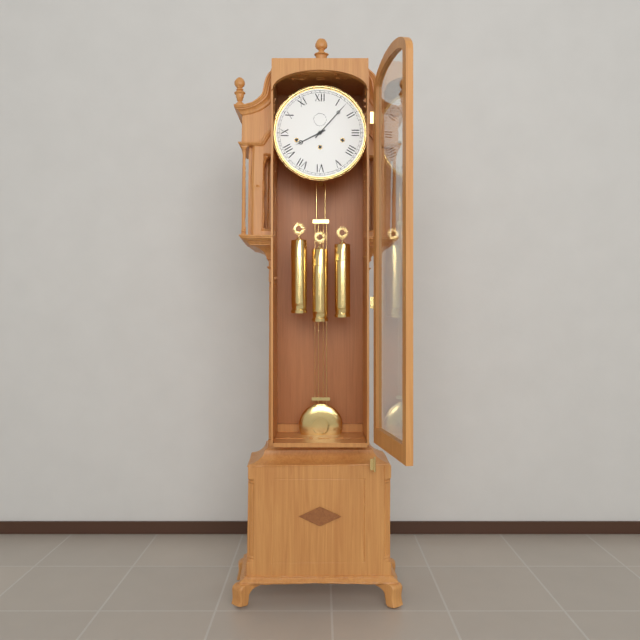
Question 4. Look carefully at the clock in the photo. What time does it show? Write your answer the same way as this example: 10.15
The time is 8.07
